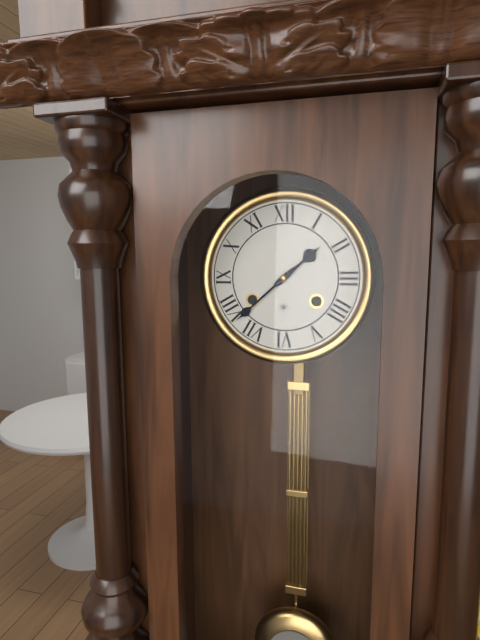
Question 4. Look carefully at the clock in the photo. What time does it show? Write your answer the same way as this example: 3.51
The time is 1.38
